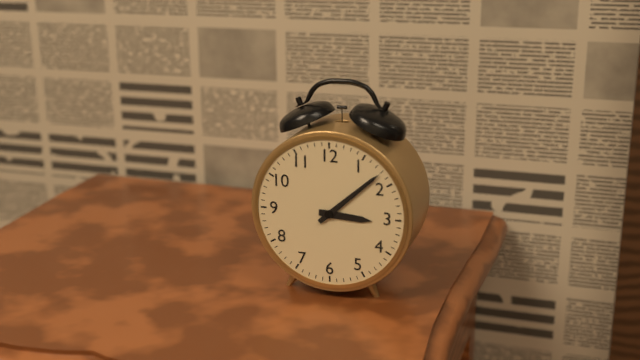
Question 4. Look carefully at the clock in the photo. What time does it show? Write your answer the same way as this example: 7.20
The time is 3.08
